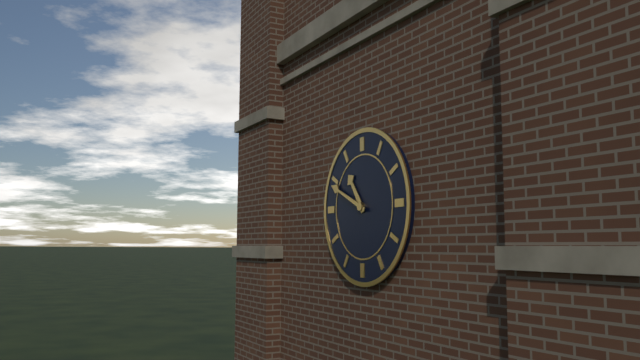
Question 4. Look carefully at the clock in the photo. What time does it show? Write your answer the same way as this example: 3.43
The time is 10.49
